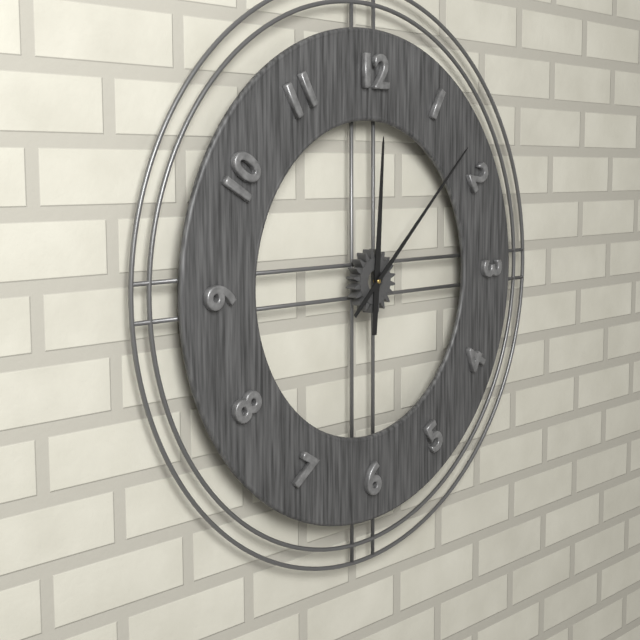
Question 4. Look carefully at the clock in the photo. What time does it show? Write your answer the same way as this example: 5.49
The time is 12.08
